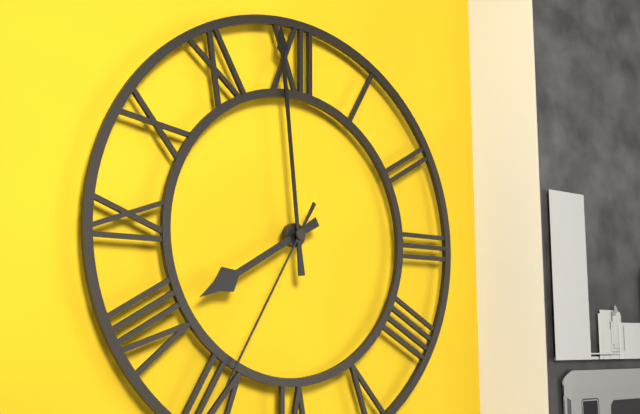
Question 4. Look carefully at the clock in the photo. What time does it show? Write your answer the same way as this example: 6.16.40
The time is 7.59.35
